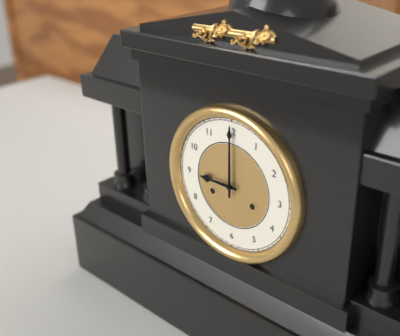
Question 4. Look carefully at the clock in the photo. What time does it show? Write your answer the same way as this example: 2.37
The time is 9.00
